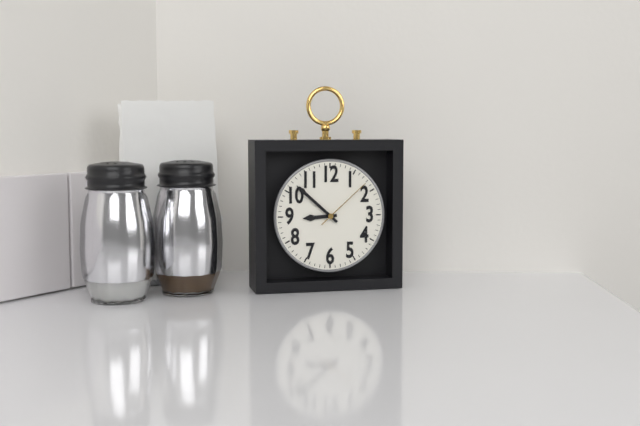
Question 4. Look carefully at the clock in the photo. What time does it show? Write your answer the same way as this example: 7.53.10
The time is 8.52.08
